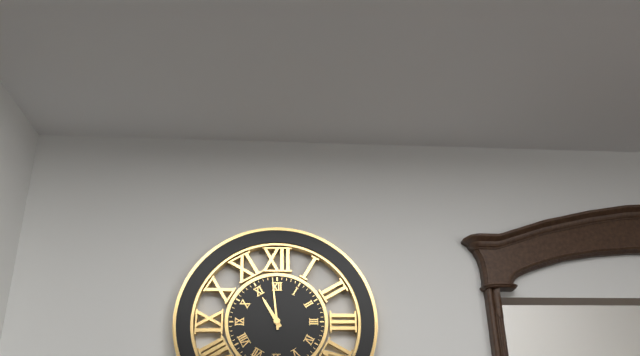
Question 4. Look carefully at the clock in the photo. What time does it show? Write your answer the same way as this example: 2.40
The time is 10.59
